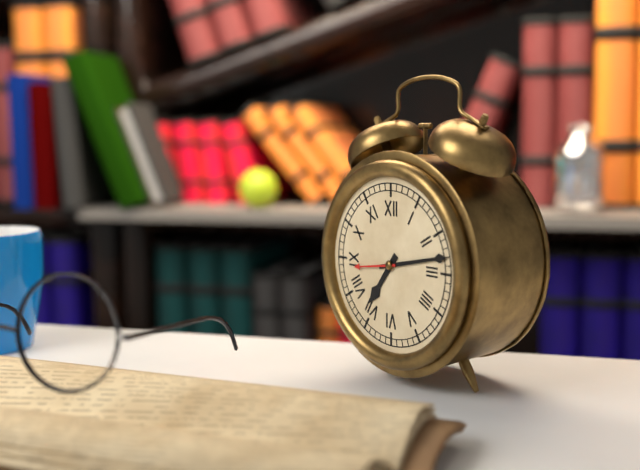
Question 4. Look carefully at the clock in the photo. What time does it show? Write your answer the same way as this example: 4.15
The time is 7.13
